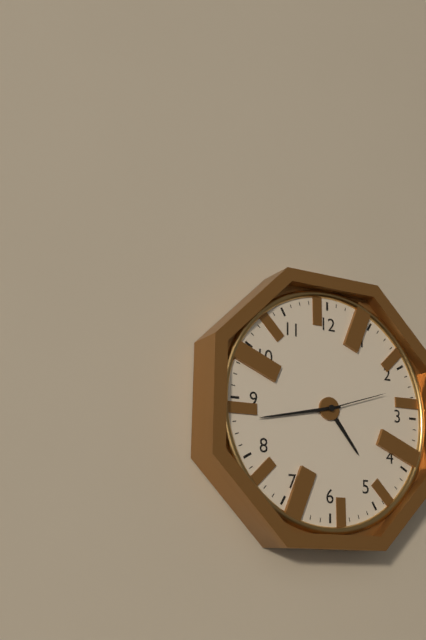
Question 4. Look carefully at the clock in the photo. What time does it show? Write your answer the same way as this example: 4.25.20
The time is 4.43.12
